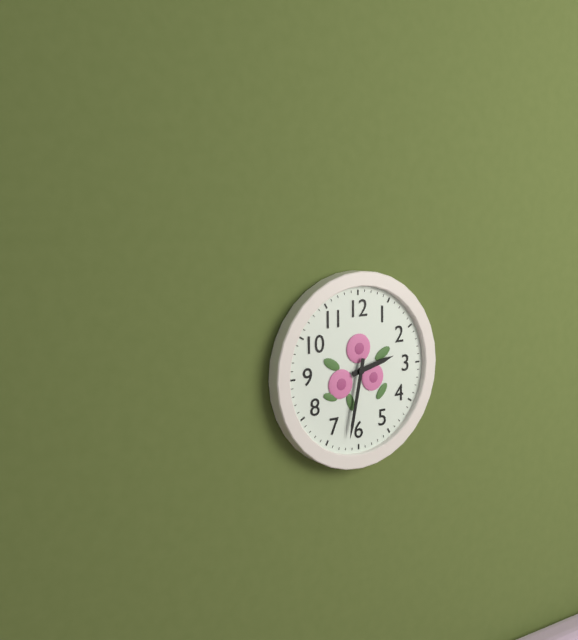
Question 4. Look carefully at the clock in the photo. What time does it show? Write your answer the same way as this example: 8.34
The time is 2.32
